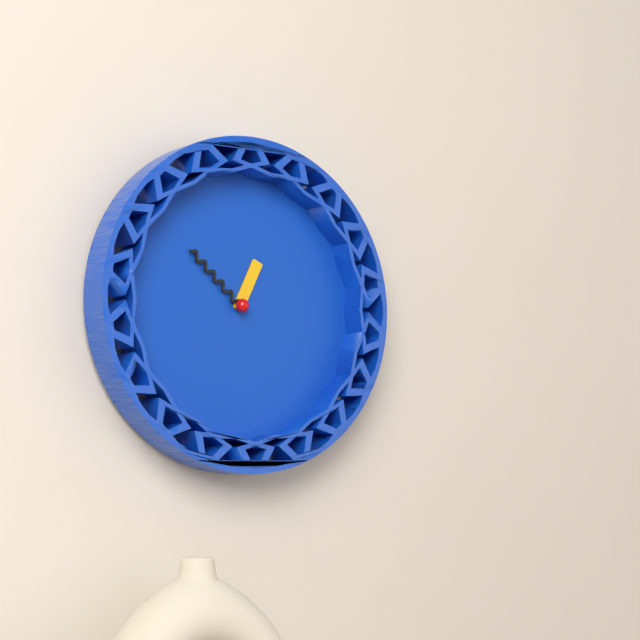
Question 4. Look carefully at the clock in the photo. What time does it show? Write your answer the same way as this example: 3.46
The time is 12.52
